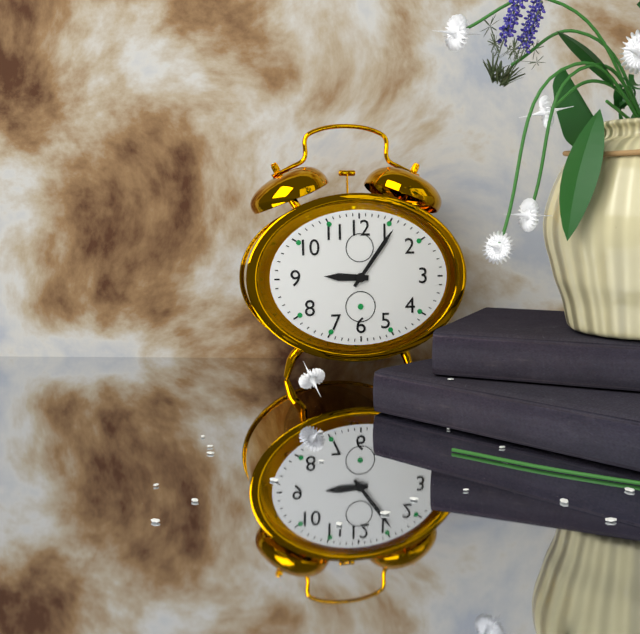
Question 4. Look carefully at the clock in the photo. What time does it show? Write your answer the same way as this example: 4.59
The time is 9.06
